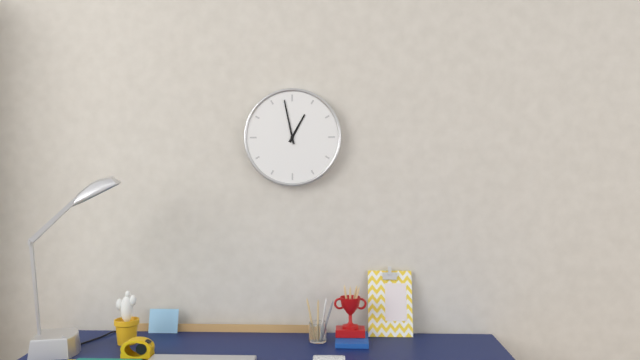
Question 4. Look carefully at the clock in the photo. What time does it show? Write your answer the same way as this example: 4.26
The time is 12.58
